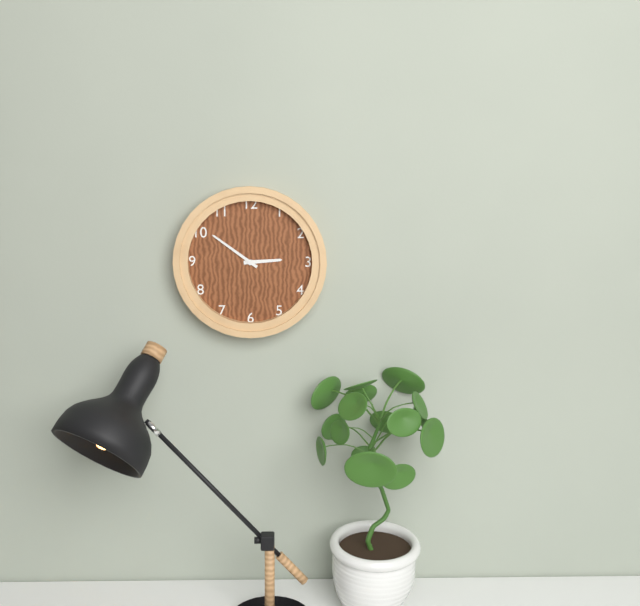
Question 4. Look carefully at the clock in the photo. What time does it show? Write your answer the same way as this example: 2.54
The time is 2.51
